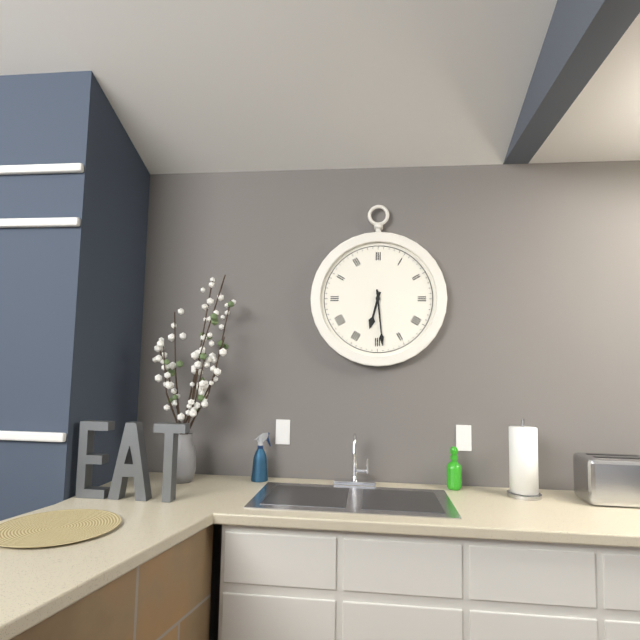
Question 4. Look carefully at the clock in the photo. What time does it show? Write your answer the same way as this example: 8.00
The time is 6.29
